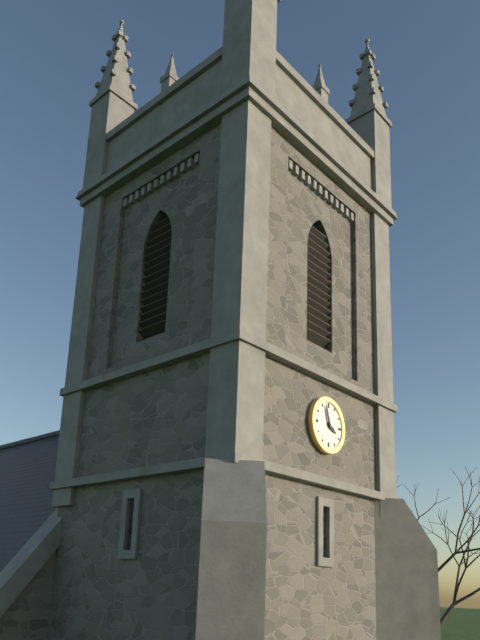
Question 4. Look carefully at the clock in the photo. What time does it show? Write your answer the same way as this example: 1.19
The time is 3.57
